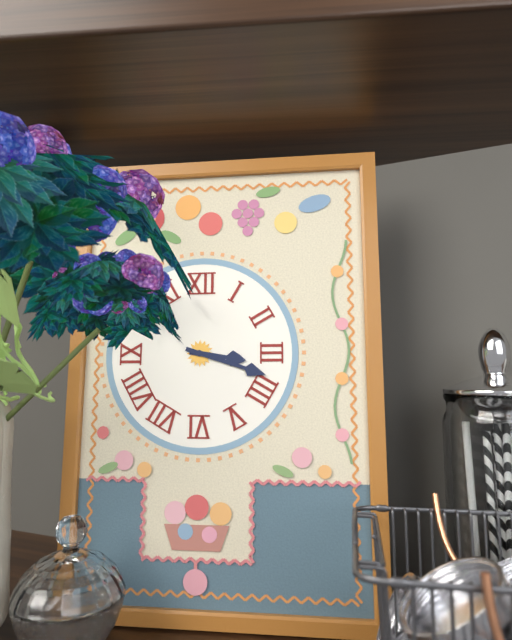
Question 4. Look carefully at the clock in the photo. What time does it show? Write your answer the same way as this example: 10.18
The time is 3.18
